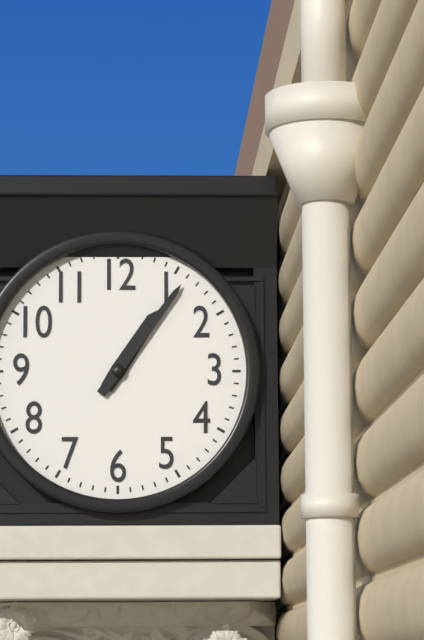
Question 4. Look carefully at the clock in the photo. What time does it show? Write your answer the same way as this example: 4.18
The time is 1.06
